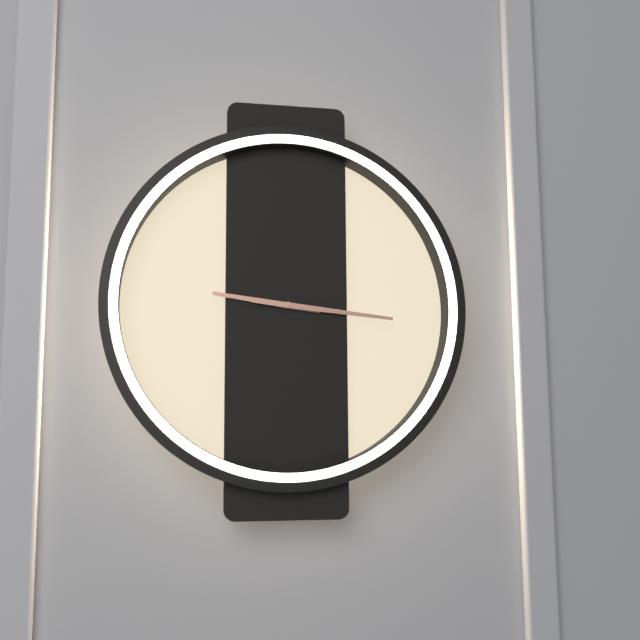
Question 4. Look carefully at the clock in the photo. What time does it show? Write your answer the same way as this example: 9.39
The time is 9.16
